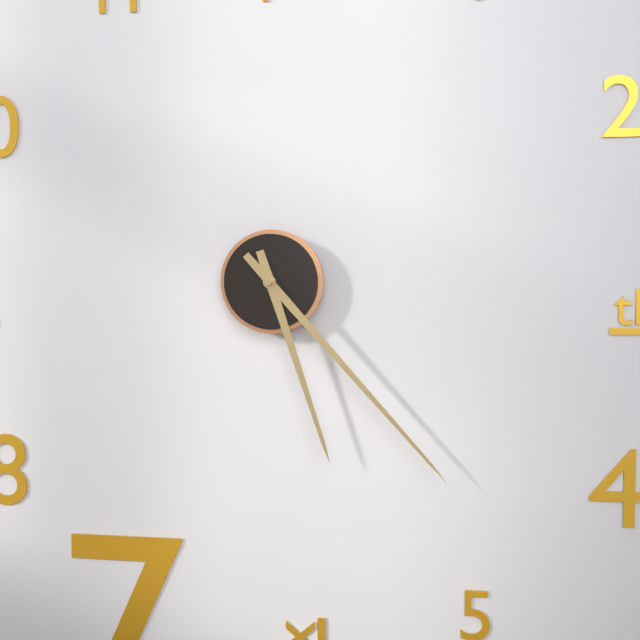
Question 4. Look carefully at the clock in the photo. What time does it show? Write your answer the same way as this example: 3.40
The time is 5.23
